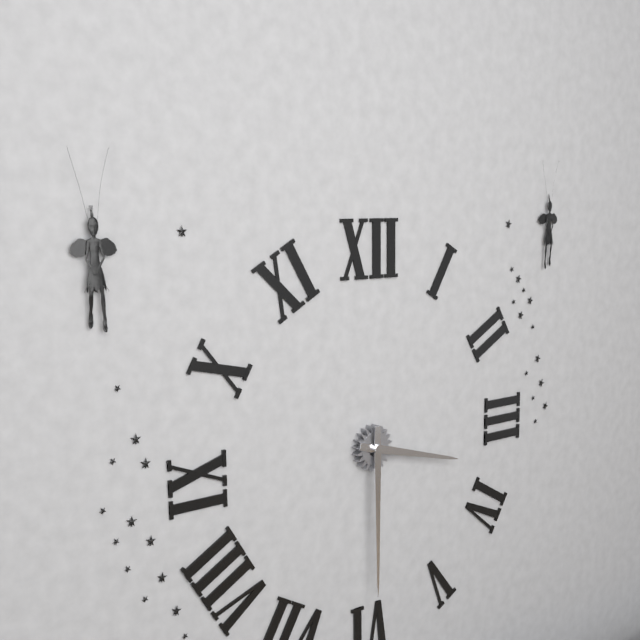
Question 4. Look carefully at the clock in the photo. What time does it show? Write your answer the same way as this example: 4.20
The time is 3.30
